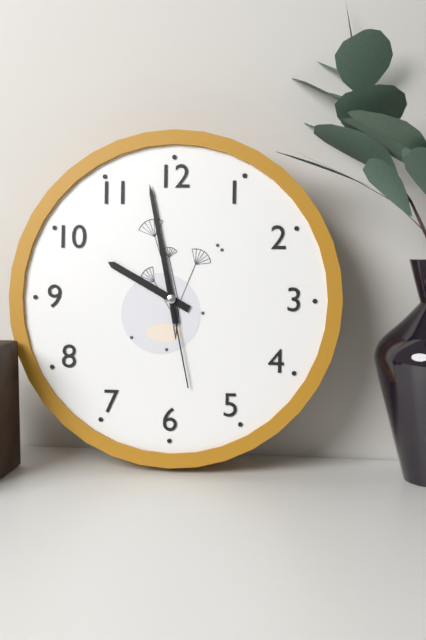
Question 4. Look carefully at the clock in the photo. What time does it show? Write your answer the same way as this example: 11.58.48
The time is 9.58.28
